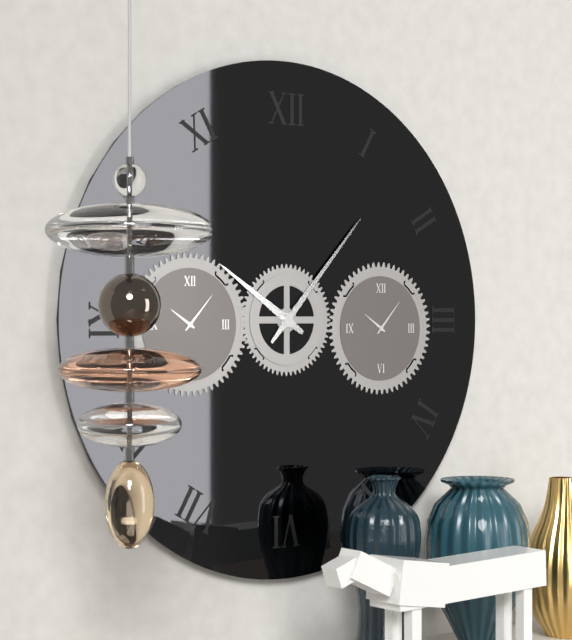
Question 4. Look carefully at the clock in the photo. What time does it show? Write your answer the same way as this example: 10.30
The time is 10.07
